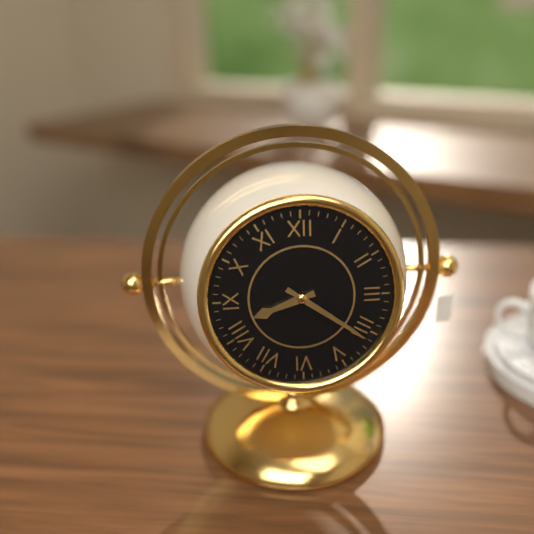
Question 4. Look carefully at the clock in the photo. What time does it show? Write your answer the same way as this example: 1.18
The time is 8.21
